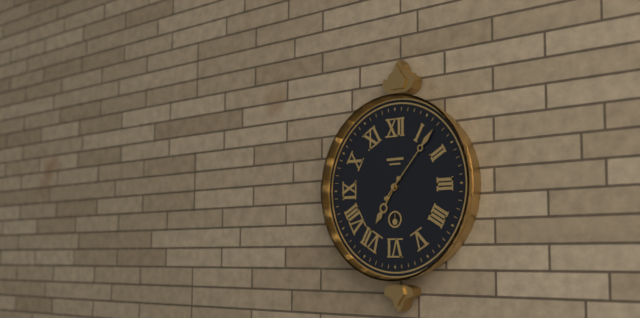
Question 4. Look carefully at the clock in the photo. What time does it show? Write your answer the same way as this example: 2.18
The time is 7.07
